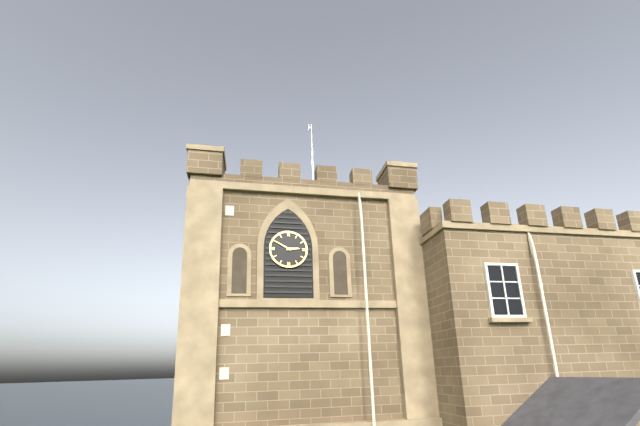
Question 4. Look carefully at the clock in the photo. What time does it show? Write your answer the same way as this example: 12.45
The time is 2.50
